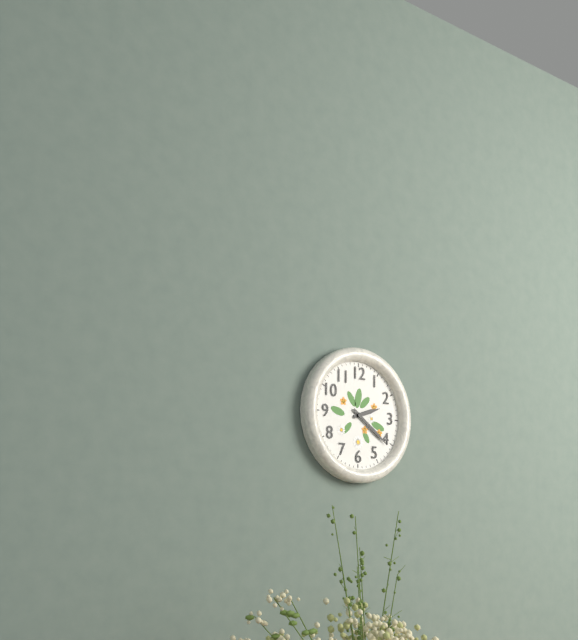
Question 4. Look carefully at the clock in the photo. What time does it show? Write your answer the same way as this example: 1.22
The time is 2.21
